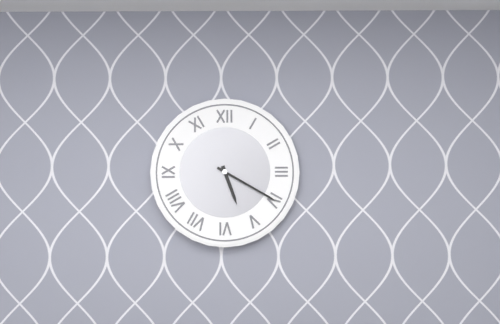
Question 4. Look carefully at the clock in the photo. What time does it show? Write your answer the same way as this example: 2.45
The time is 5.20
